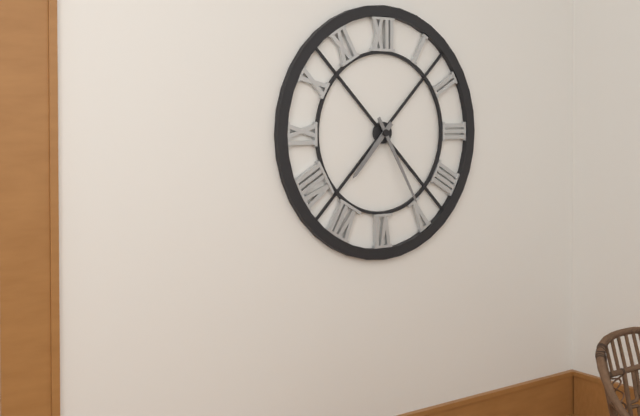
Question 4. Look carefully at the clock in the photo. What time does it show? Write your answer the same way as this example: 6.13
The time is 7.25
